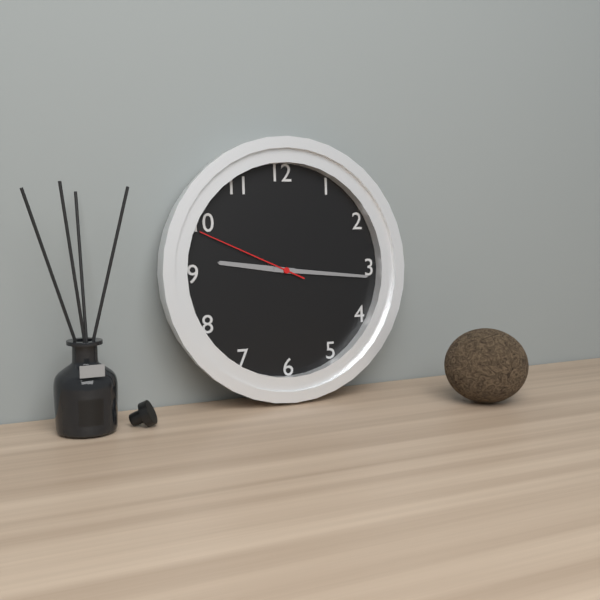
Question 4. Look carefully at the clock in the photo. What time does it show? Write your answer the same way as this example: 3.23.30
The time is 9.16.49
